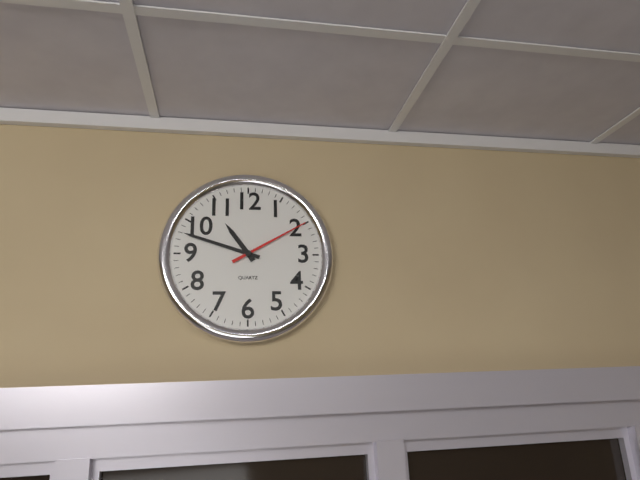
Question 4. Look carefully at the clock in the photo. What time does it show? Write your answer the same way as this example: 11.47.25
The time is 10.48.10
